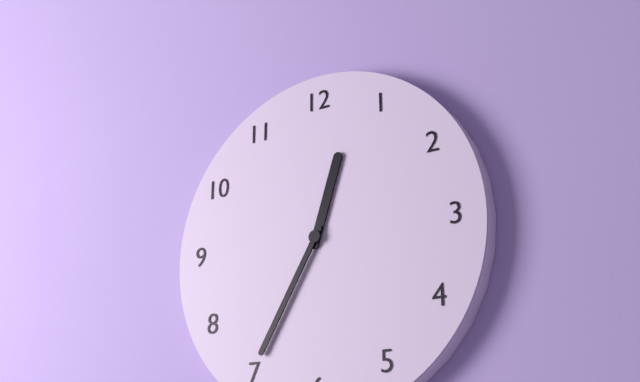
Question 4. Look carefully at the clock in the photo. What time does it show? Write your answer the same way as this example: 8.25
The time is 12.35
